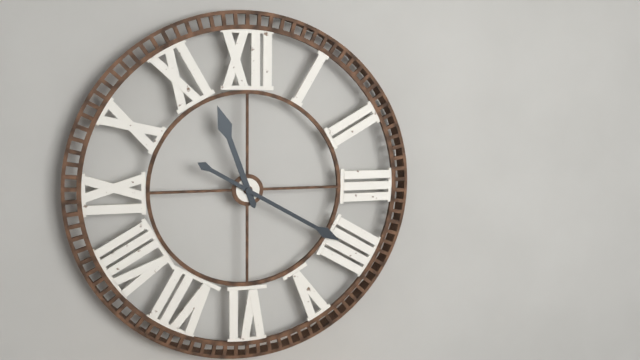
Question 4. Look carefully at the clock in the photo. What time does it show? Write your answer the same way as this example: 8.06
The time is 11.20
